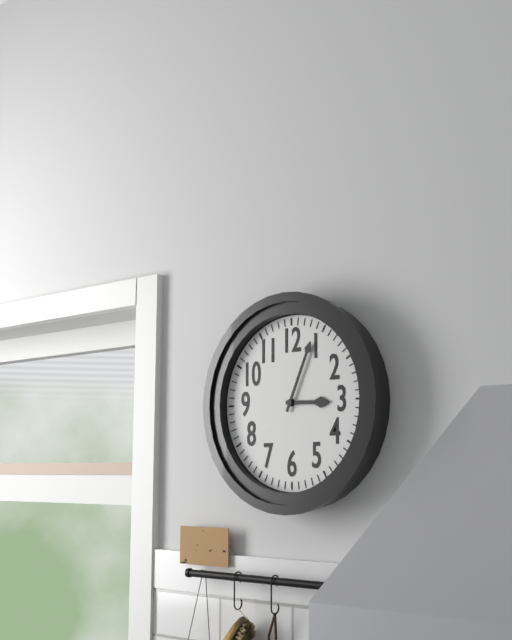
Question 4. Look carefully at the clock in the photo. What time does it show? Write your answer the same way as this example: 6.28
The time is 3.04
